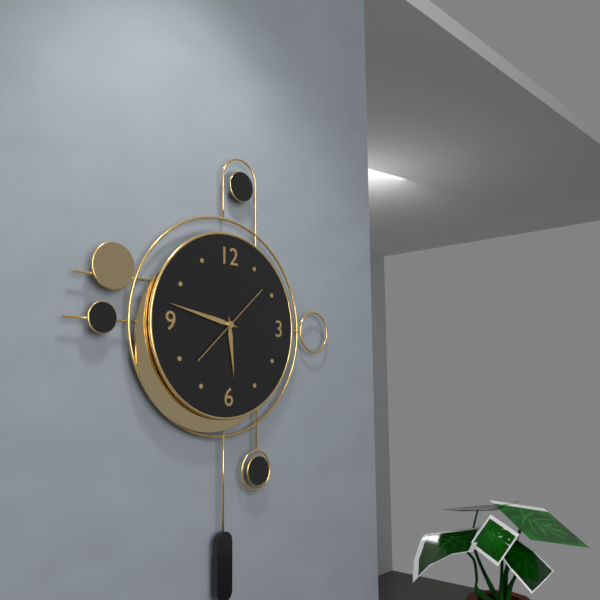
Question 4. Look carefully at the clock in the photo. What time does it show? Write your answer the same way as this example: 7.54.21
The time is 5.47.08
